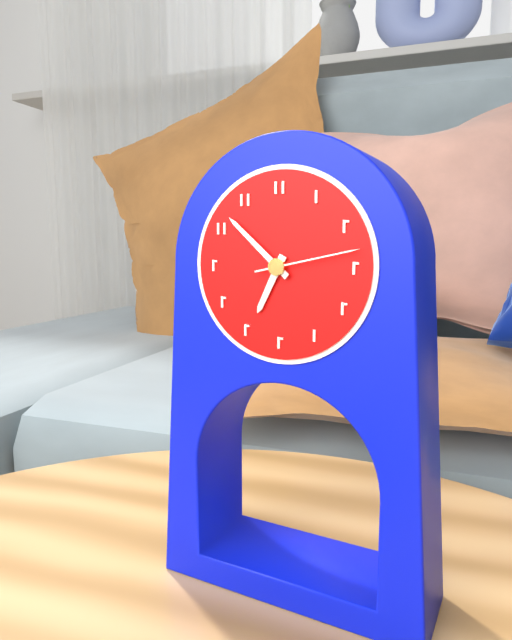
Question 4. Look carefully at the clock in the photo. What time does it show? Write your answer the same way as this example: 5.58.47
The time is 6.52.13
